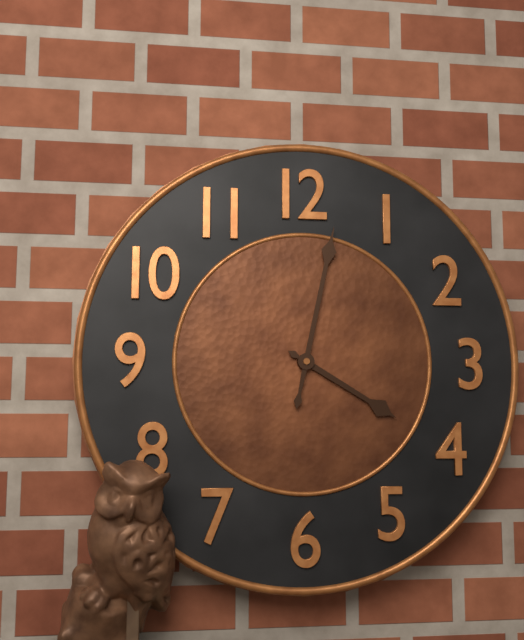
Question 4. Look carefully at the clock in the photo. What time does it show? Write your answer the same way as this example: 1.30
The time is 4.02
